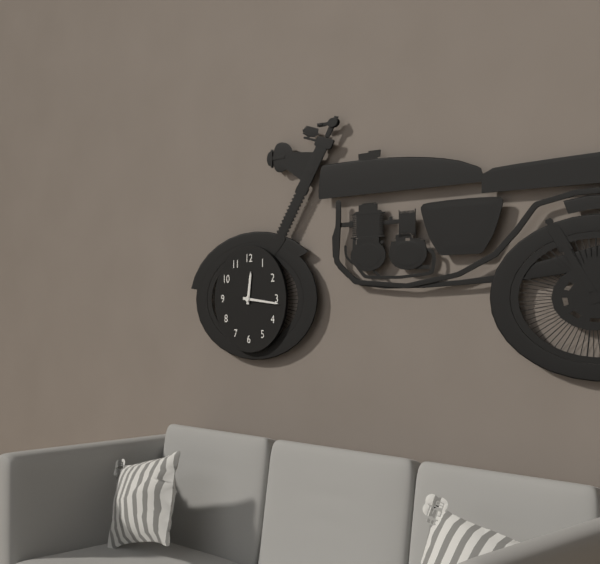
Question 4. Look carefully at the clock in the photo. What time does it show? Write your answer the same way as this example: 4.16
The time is 12.16
